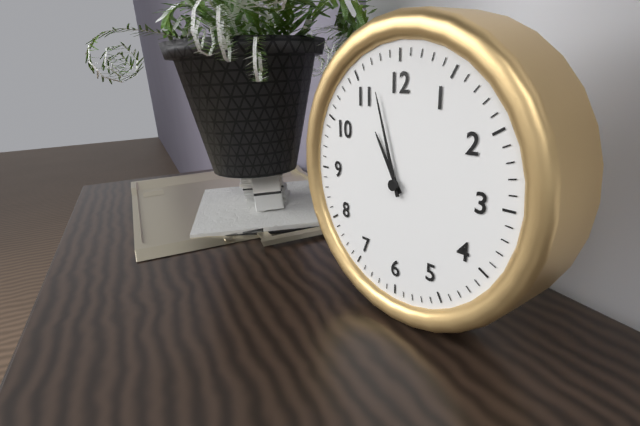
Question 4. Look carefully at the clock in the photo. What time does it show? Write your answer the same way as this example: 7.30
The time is 10.57
